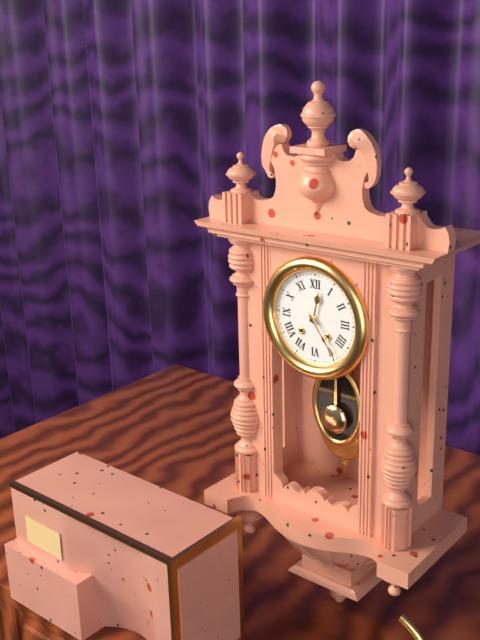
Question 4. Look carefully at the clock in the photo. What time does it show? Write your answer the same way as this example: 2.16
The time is 12.24
